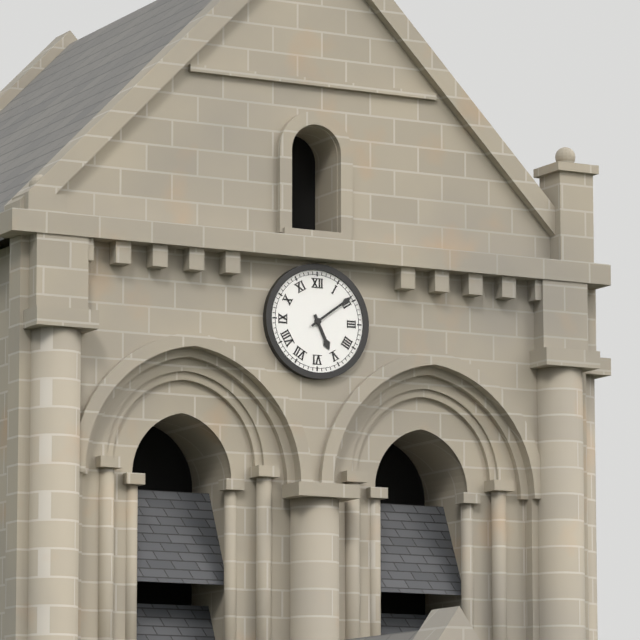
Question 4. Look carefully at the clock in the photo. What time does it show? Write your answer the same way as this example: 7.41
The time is 5.09
